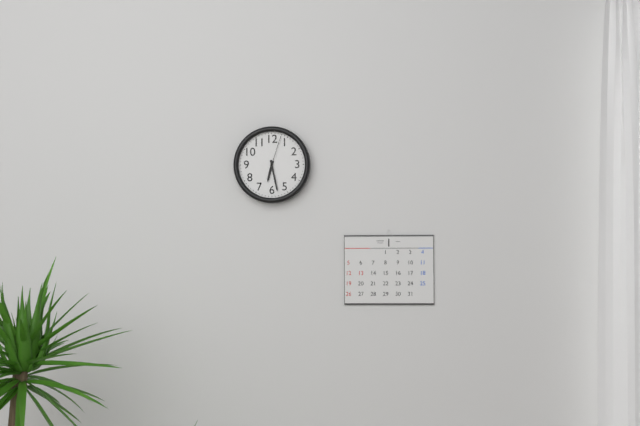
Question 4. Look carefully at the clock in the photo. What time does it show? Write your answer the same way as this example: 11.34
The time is 6.28
